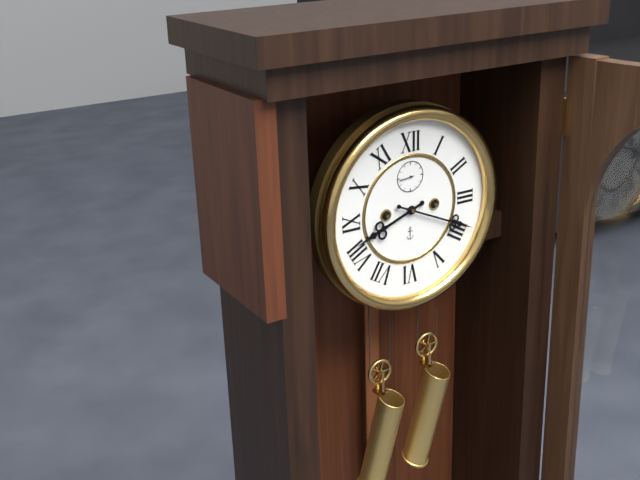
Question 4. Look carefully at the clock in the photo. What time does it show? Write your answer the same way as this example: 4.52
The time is 8.19
